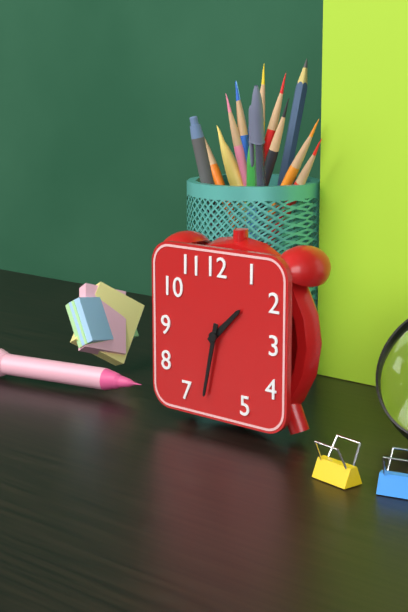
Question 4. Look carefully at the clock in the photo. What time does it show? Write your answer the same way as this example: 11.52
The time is 1.32
